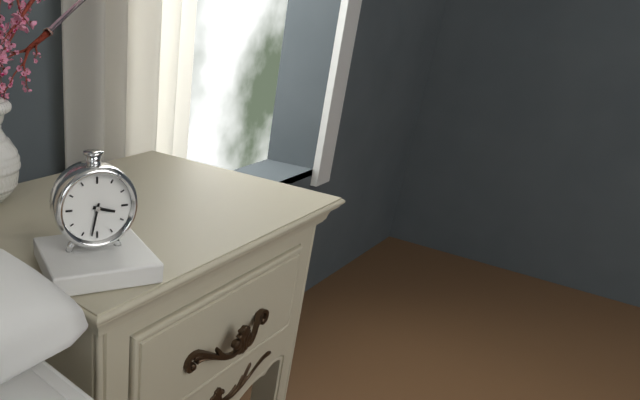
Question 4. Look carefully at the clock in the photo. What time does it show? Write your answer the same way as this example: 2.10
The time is 3.32
